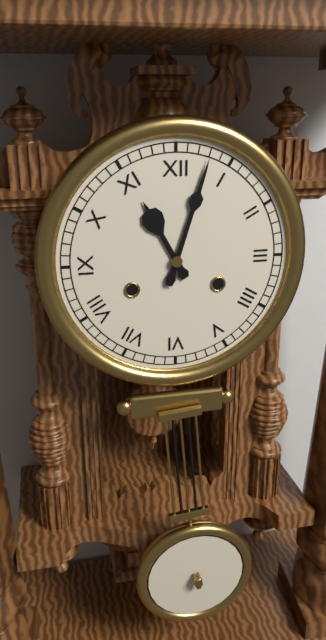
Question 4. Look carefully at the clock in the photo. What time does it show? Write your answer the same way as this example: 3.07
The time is 11.03
